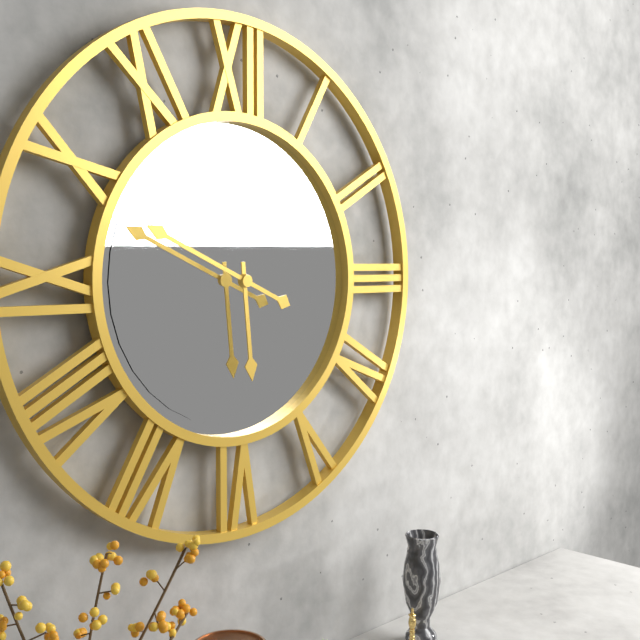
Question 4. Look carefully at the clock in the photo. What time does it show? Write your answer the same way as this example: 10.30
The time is 5.49
